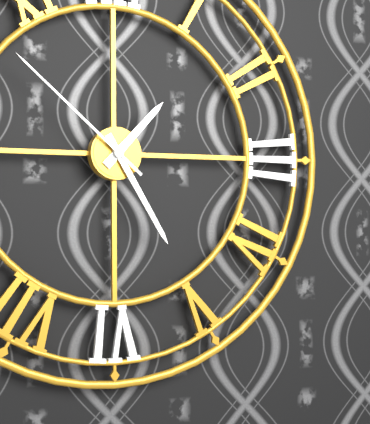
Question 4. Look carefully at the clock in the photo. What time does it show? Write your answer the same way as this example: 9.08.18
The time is 1.25.52
